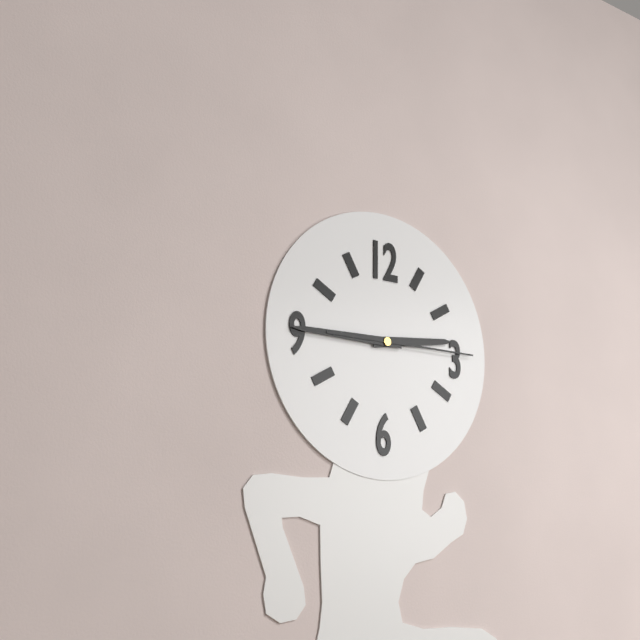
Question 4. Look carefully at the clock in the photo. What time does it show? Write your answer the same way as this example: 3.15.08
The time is 2.45.15
